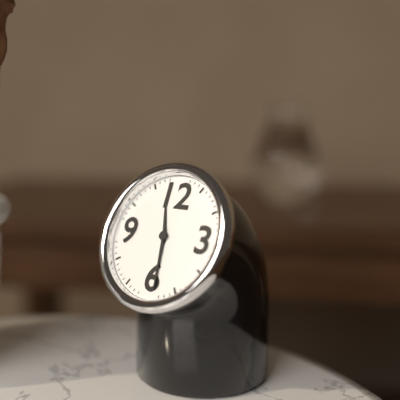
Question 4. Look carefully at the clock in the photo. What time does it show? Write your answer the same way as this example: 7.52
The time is 11.29
